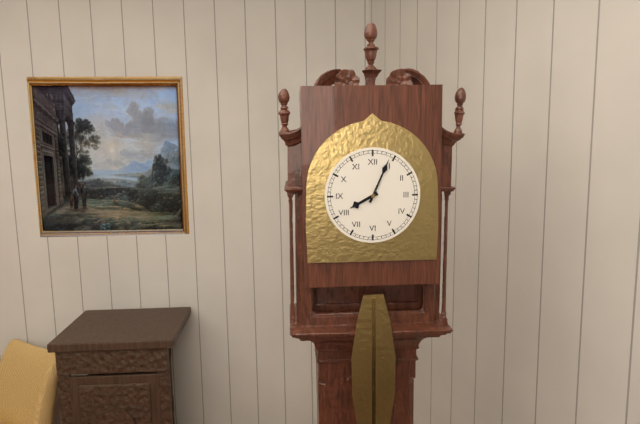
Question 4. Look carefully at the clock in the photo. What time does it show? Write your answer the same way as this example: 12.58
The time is 8.04
